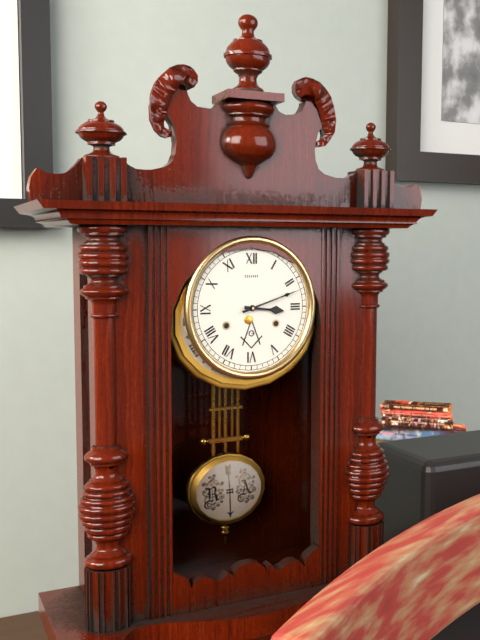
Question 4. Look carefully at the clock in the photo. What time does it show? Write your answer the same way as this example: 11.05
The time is 3.12
